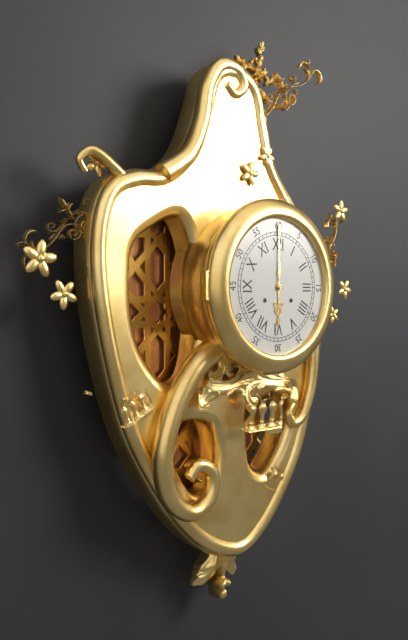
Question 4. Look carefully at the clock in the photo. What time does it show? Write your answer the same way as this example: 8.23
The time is 6.00
